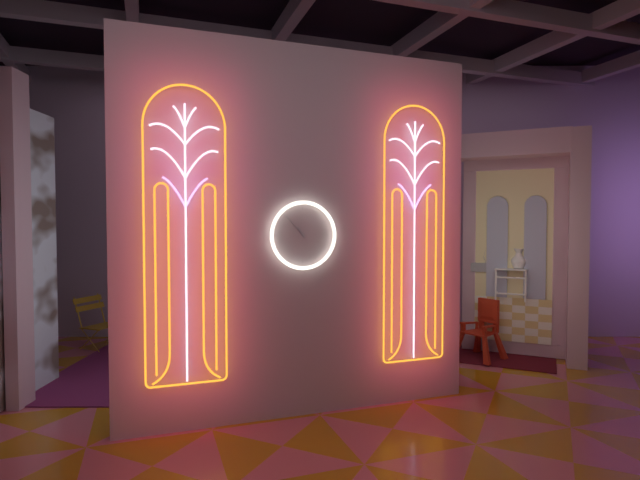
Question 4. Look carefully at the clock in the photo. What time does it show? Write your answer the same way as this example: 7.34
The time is 10.53
